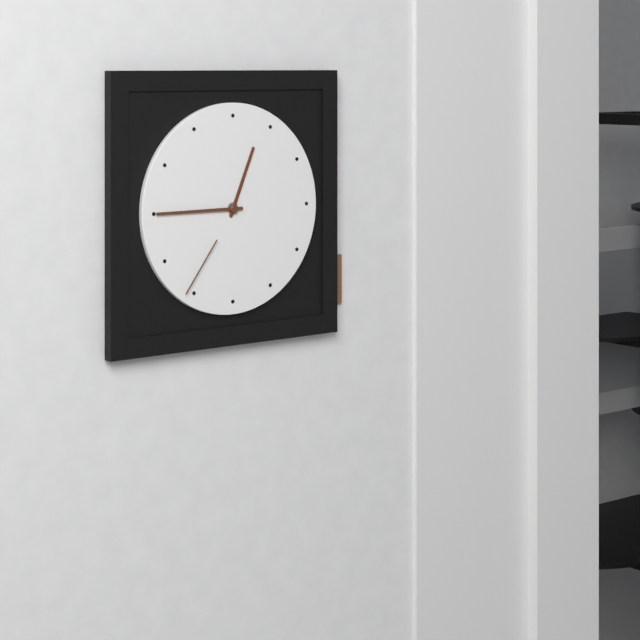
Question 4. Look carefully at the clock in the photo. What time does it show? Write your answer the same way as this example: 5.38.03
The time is 12.45.36
